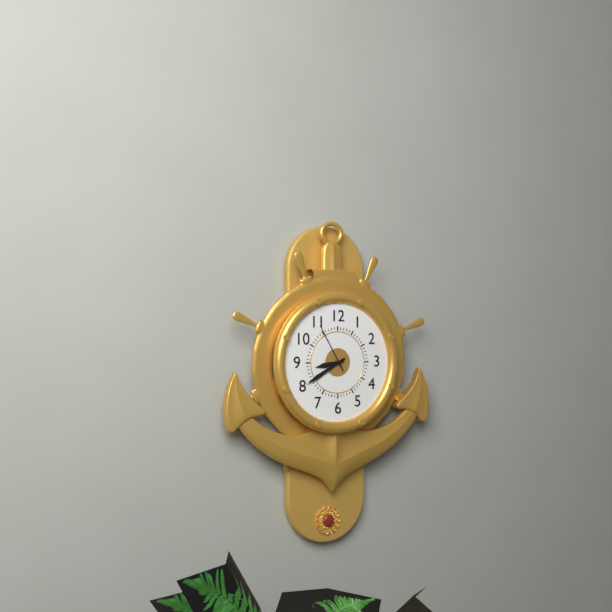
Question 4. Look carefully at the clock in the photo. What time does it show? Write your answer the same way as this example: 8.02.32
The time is 8.40.55
